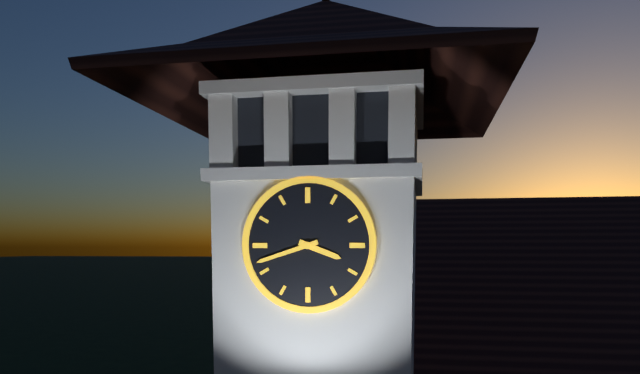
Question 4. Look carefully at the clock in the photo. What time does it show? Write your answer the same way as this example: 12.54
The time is 3.42
